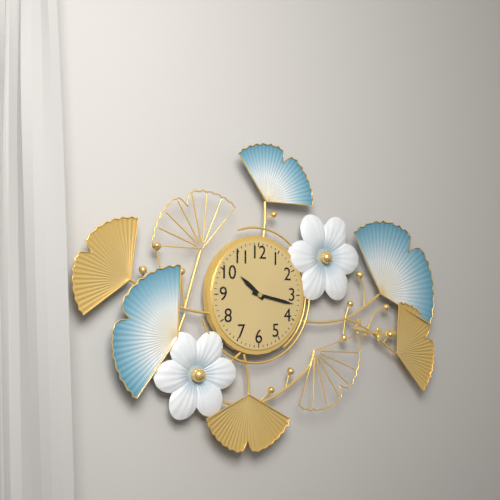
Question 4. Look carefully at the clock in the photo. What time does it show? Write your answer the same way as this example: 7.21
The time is 10.17
